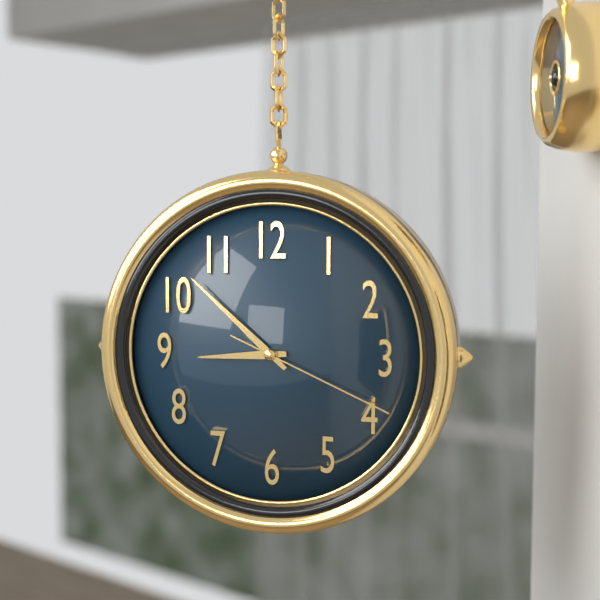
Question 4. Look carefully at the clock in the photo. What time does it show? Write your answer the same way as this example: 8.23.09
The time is 8.52.19
